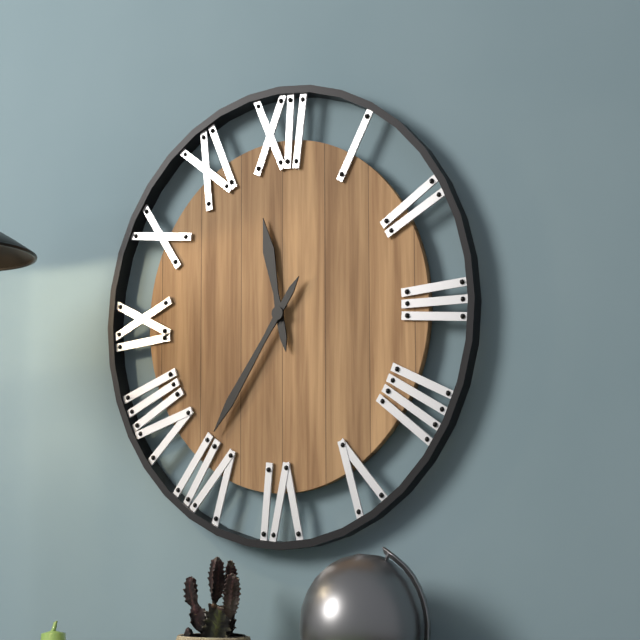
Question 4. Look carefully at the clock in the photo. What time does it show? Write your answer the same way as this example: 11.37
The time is 11.36
